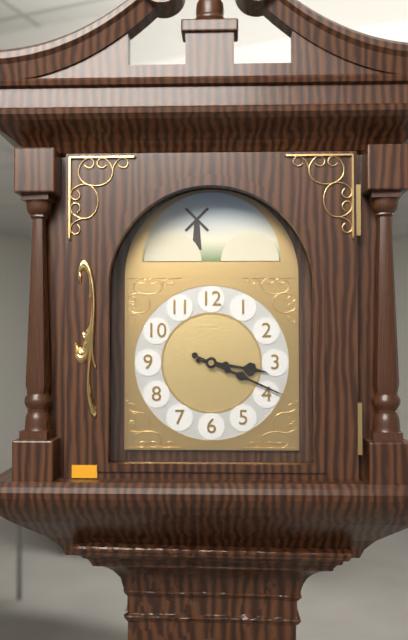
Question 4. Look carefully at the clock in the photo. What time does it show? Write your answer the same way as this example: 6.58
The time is 3.19
